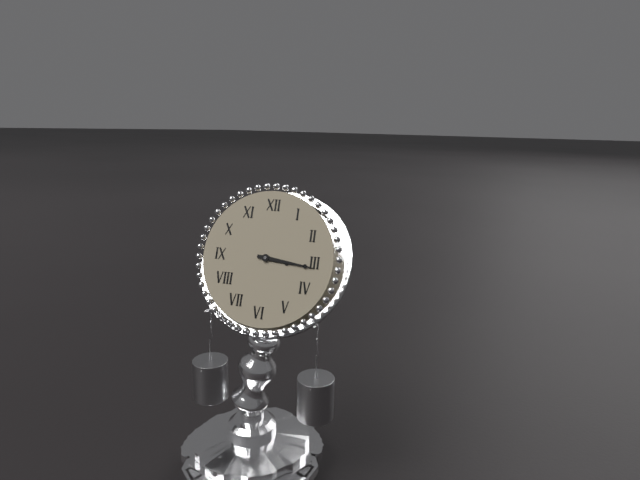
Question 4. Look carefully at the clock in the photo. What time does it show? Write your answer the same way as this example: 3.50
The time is 3.16
